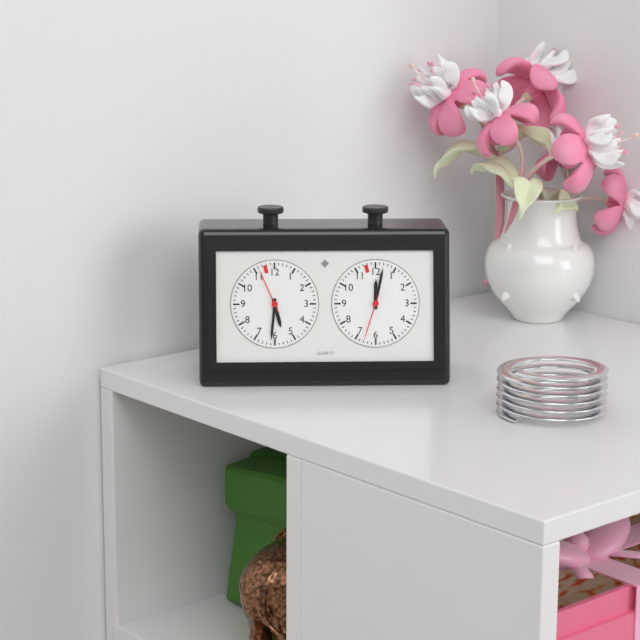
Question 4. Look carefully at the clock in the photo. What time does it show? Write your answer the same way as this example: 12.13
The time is 5.31
